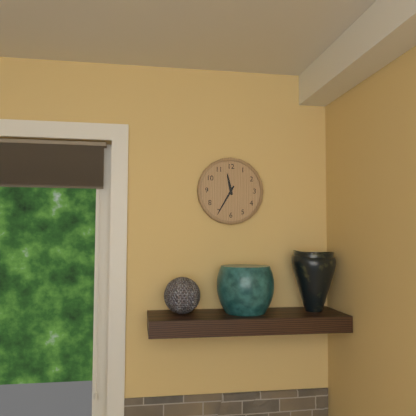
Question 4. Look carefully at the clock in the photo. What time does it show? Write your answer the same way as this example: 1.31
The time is 11.35
